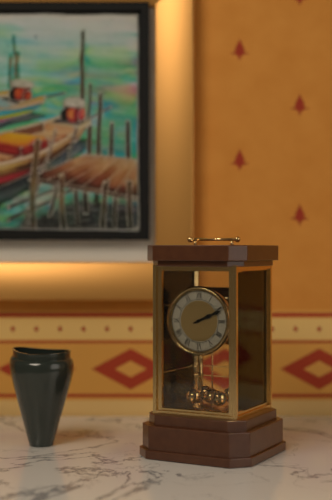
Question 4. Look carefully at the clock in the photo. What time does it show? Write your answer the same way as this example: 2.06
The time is 2.11
